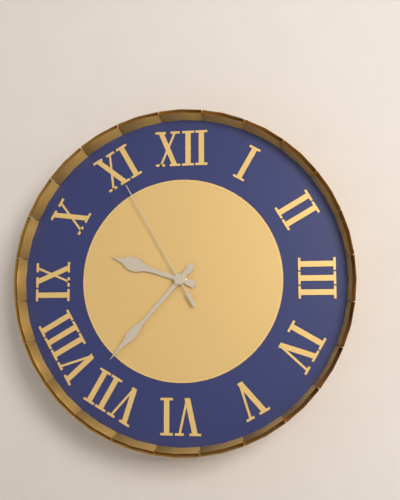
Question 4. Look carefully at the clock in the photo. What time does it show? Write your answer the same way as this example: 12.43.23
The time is 9.37.55
